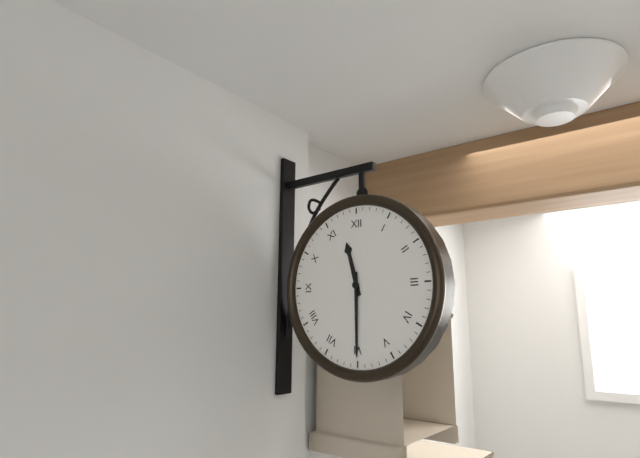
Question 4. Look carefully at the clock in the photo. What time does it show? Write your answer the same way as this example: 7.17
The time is 11.30
